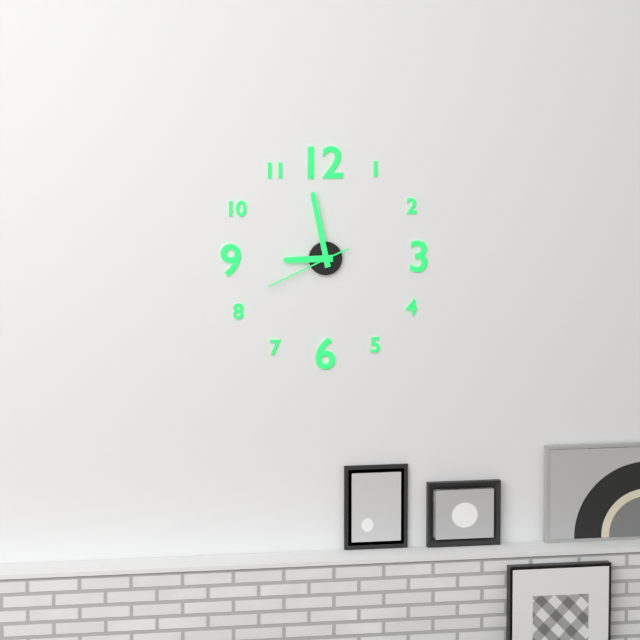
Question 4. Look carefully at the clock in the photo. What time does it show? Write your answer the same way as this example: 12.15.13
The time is 8.58.41
